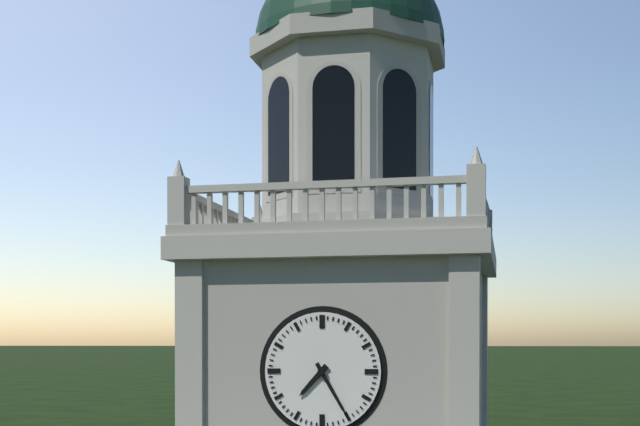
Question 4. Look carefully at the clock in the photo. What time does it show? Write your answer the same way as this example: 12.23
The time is 7.25
